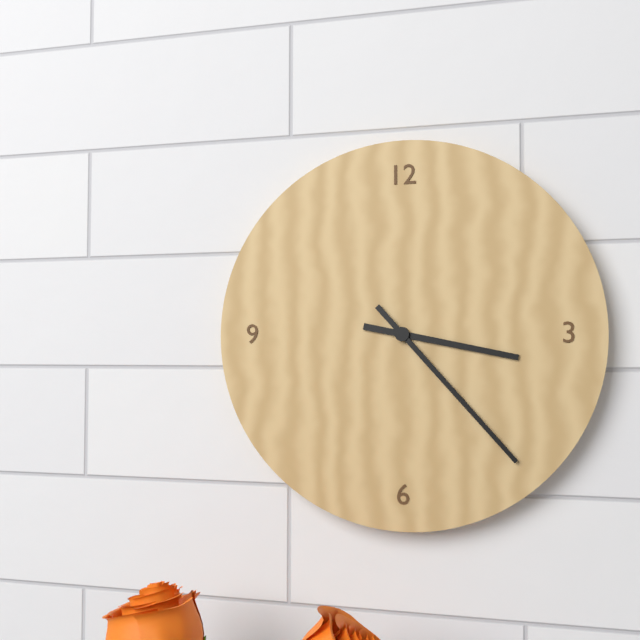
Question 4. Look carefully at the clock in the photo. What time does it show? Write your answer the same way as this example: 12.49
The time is 3.23
